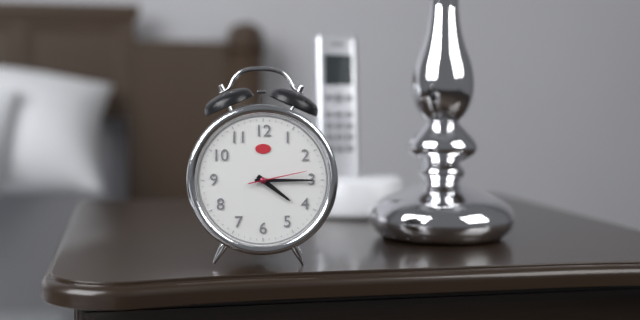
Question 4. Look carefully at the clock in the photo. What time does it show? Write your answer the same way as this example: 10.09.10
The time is 4.15.13
